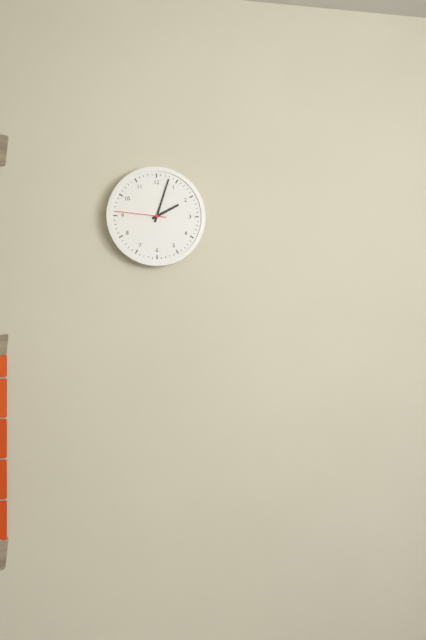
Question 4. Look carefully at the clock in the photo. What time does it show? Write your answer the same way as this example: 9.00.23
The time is 2.03.46
